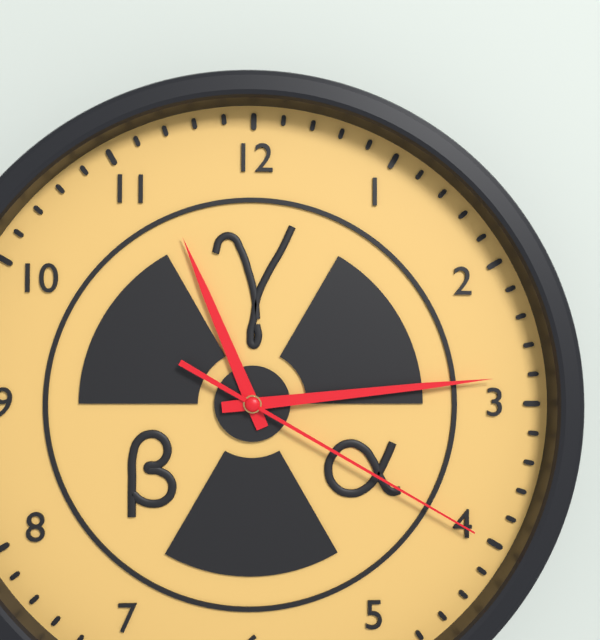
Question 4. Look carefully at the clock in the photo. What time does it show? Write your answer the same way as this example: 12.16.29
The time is 11.14.20
